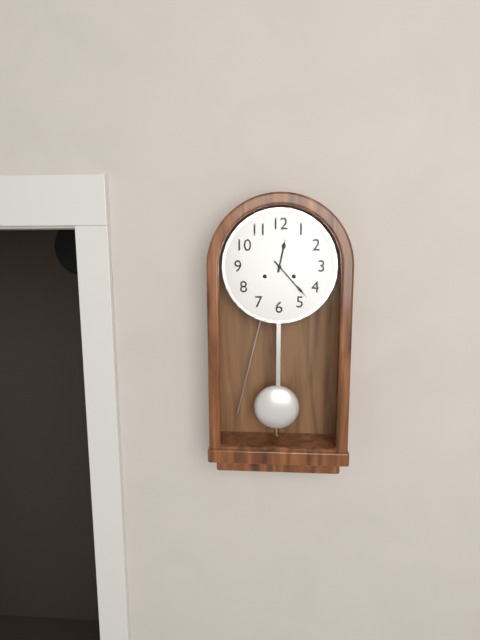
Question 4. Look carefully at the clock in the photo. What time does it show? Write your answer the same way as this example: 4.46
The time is 12.23
